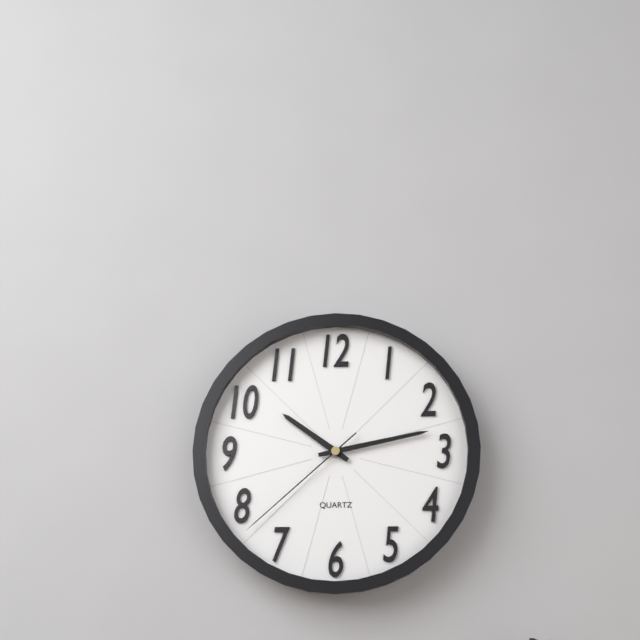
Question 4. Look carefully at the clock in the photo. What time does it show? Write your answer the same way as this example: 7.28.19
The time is 10.13.38
